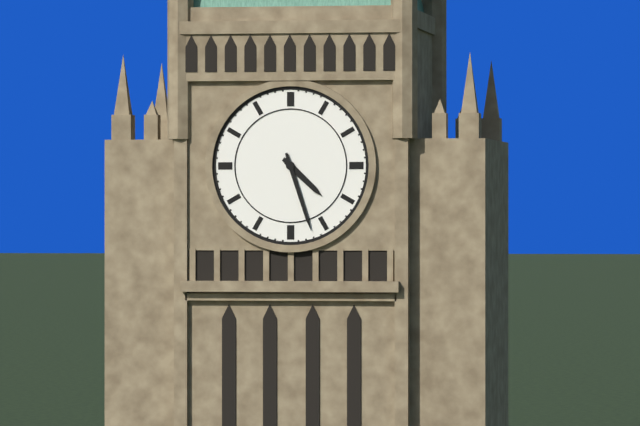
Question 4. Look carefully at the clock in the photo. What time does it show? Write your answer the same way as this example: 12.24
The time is 4.27
